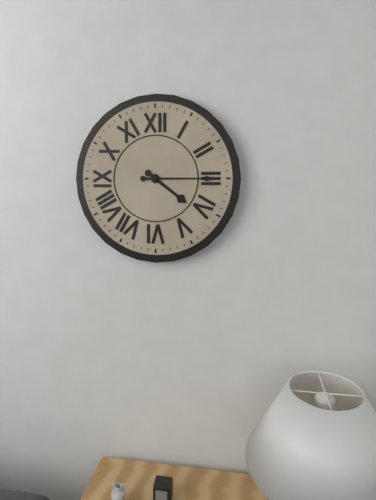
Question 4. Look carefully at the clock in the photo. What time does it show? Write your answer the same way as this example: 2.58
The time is 4.15
